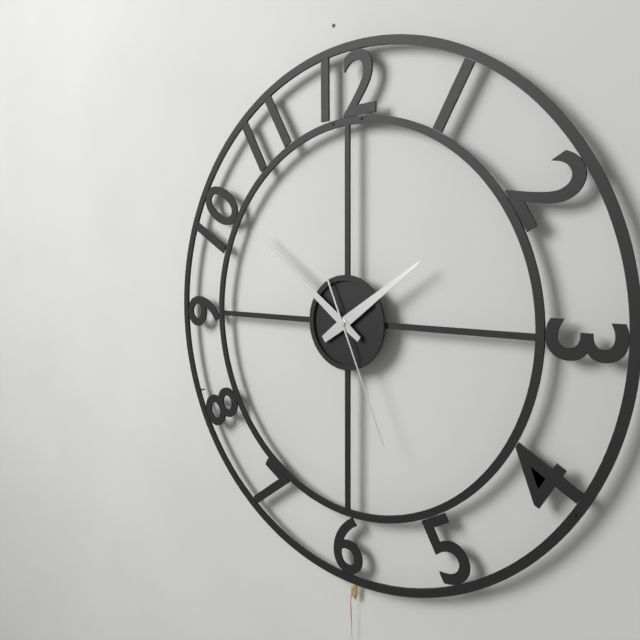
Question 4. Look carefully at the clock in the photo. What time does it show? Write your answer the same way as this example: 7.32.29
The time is 1.51.26
